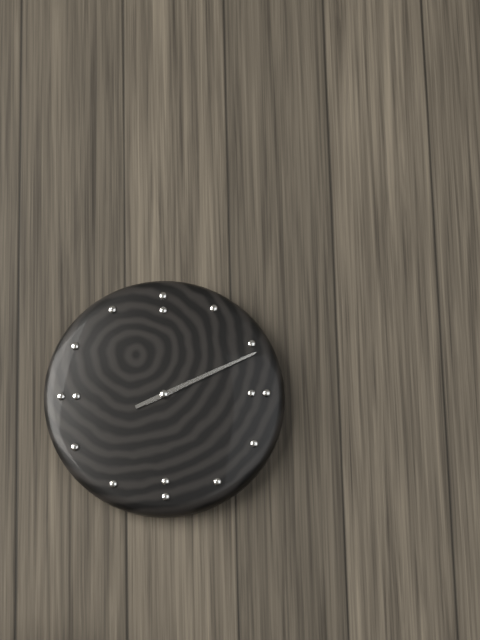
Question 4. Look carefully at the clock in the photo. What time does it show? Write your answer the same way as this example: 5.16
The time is 2.11
